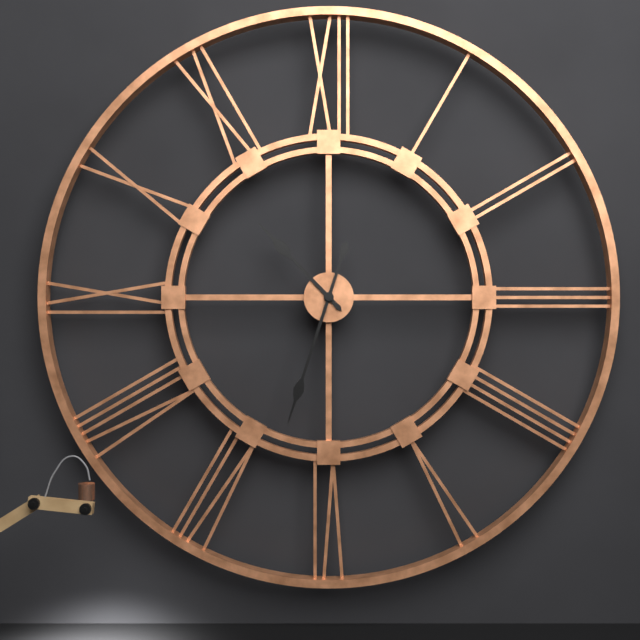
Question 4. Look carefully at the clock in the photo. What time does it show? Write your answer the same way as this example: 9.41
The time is 10.33
